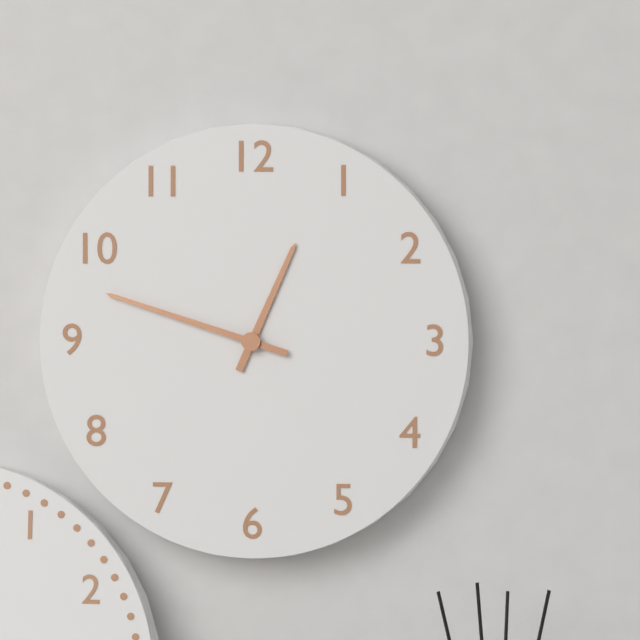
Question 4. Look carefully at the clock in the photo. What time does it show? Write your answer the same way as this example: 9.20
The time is 12.48
